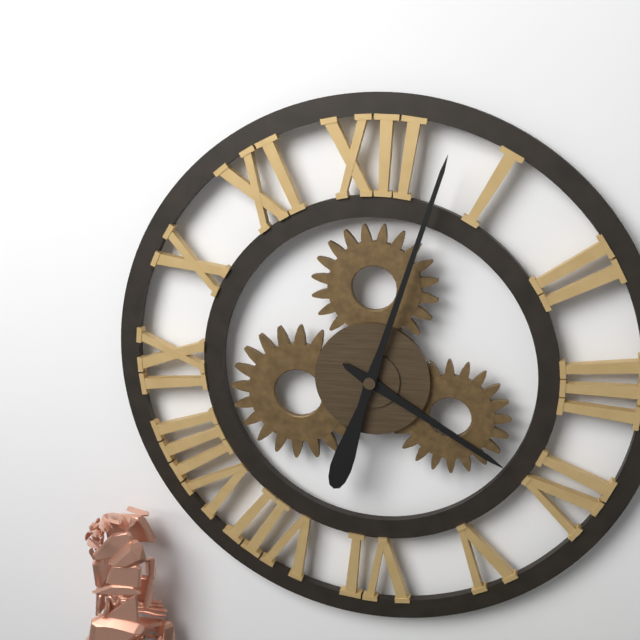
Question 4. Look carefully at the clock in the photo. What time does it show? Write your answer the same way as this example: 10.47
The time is 4.03
